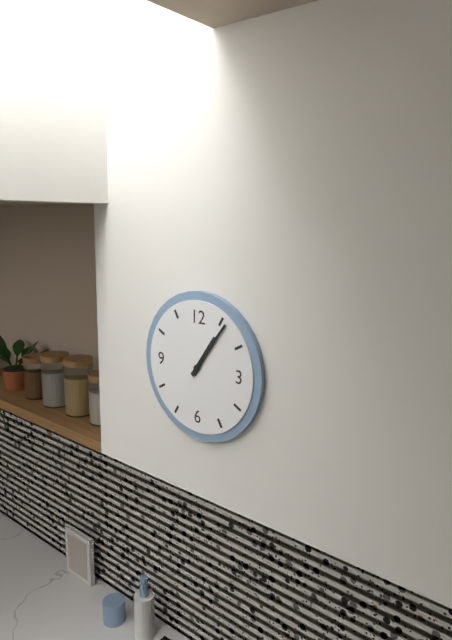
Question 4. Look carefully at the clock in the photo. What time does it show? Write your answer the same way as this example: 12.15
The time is 1.06
